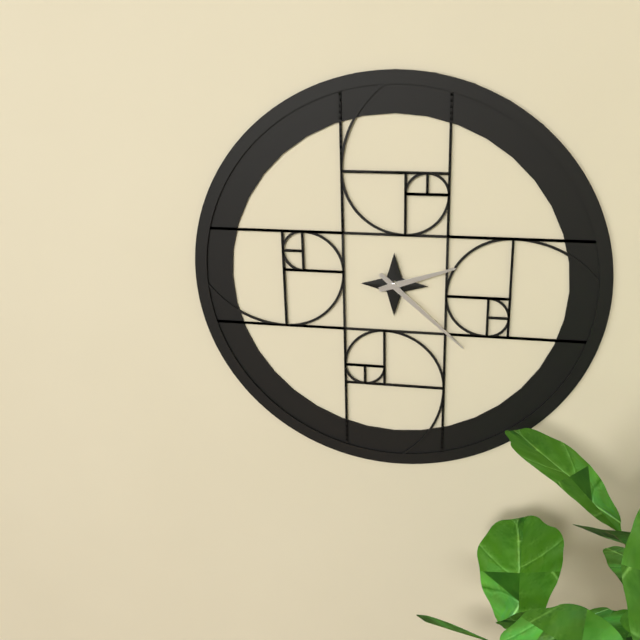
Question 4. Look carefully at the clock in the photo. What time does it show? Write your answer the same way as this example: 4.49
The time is 2.22
